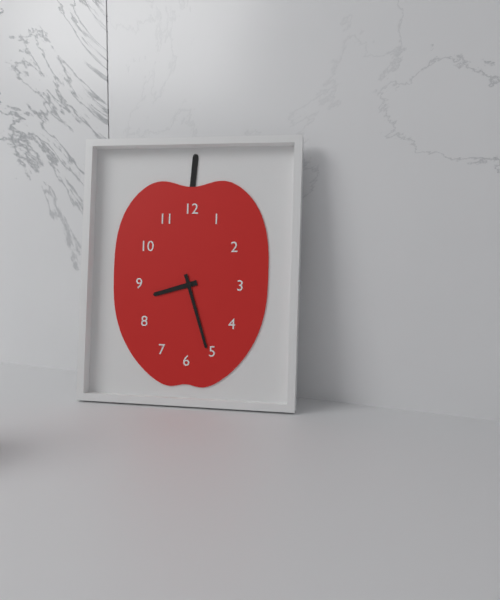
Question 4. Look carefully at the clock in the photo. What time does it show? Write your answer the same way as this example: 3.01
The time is 8.27
